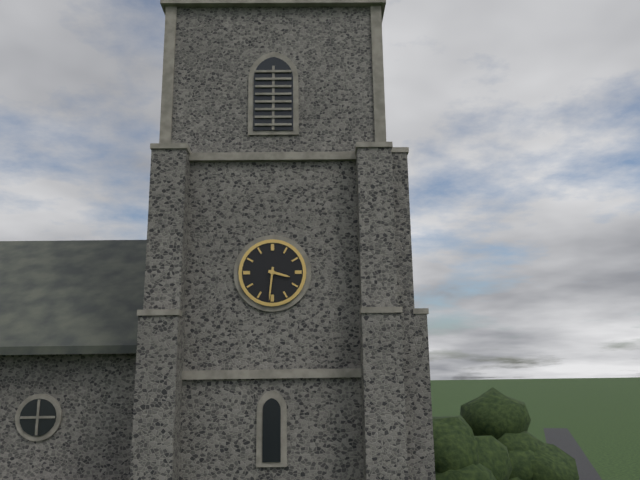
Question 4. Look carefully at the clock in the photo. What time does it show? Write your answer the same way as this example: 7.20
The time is 3.31
